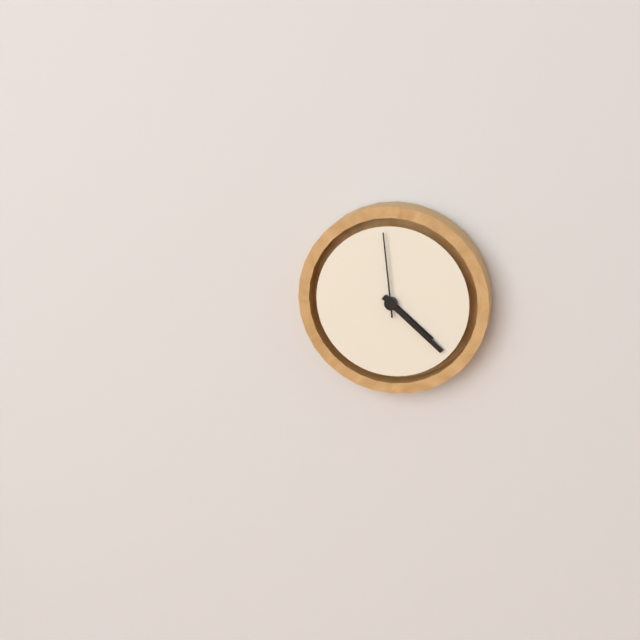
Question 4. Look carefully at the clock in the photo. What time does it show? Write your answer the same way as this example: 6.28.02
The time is 4.22.59
